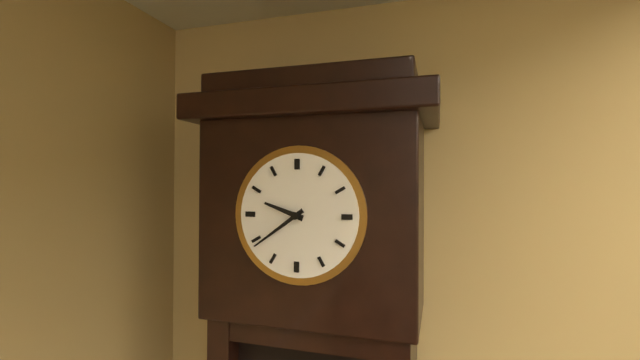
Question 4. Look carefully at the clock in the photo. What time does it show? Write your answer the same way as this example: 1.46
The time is 9.39
